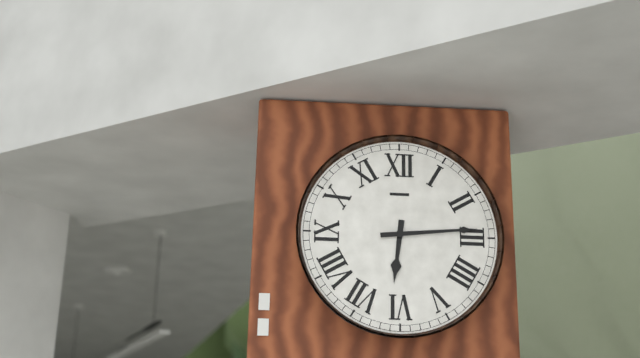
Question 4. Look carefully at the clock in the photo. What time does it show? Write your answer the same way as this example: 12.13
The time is 6.14
